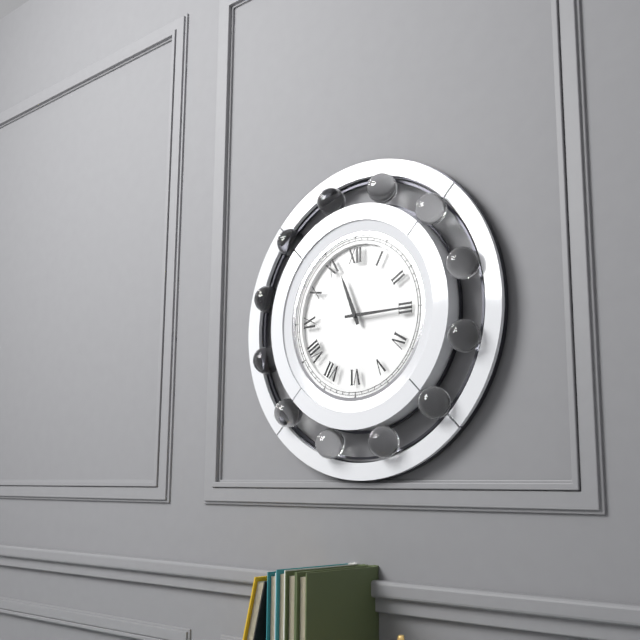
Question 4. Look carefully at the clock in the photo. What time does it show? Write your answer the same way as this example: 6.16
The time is 11.15
